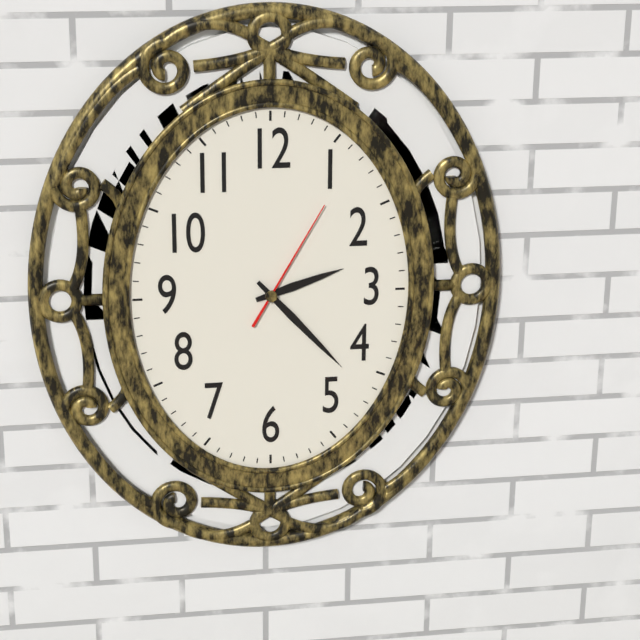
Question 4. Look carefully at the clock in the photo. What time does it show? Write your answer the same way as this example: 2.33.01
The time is 2.23.05
